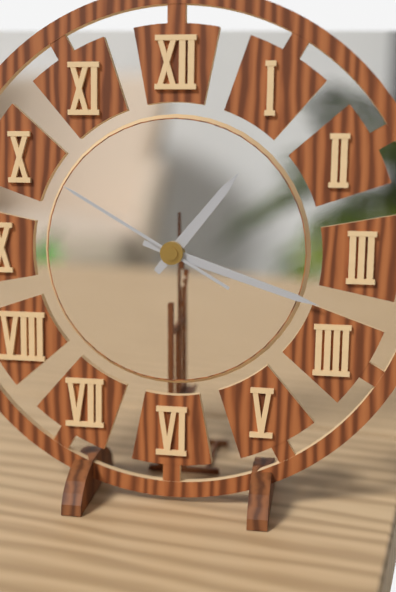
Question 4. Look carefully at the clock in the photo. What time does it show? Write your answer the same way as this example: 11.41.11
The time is 1.18.50
